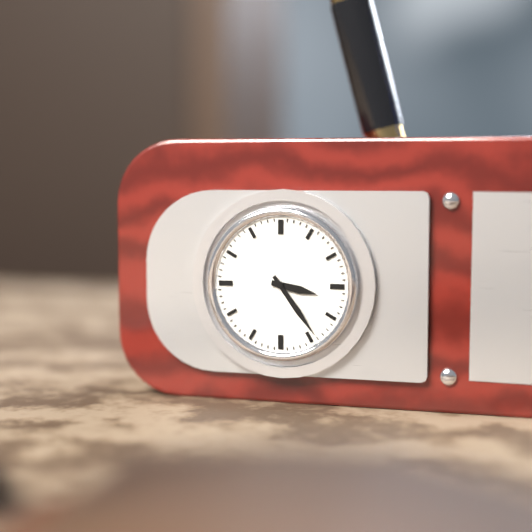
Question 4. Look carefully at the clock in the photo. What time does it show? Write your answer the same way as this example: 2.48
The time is 3.24
